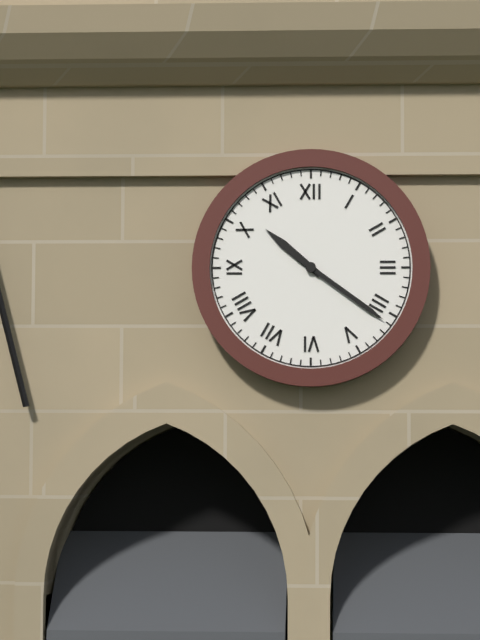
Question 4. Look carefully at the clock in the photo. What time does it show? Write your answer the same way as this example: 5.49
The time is 10.21
